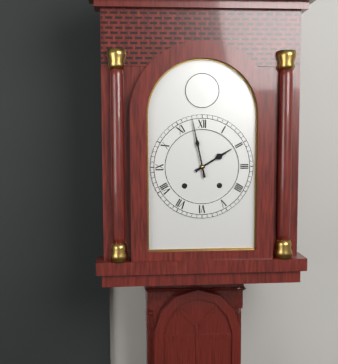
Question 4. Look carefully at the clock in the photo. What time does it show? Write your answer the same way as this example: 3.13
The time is 1.58
